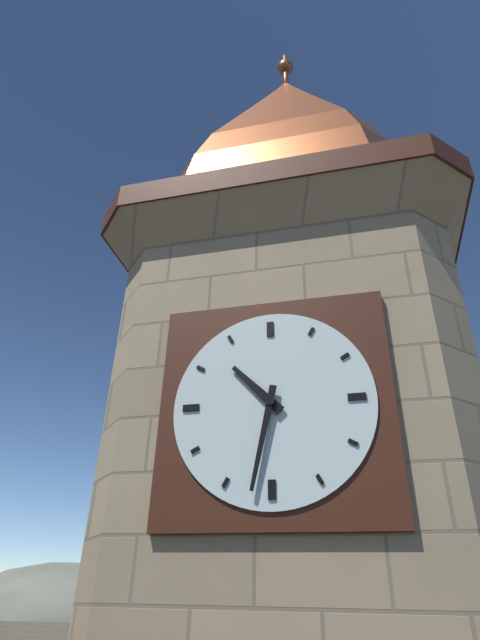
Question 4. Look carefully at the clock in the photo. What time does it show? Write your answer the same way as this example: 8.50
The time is 10.32
